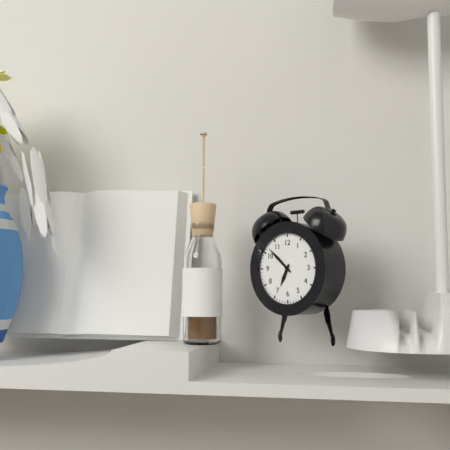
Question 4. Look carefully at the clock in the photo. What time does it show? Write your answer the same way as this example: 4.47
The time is 6.52
